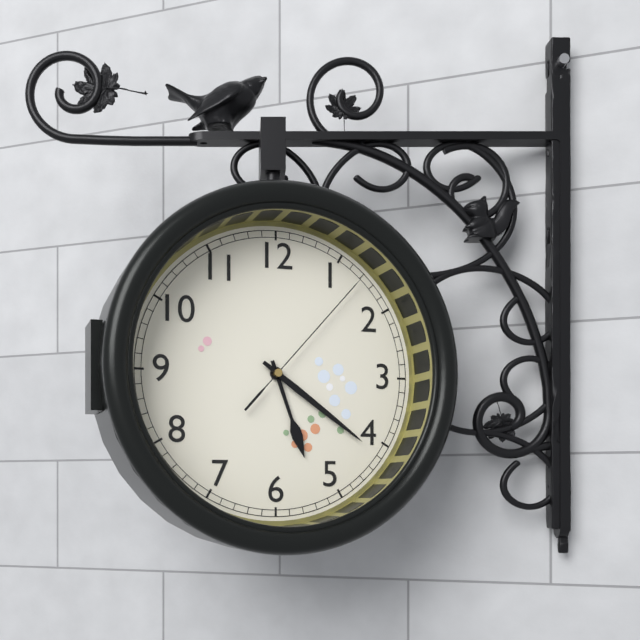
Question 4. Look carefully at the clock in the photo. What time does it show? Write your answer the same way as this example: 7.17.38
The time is 5.21.07
